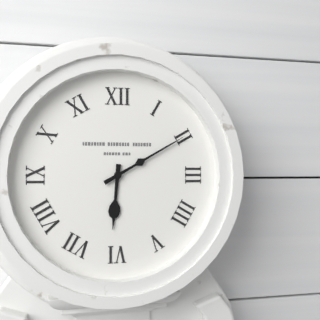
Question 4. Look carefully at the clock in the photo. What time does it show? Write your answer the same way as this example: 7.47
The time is 6.10
